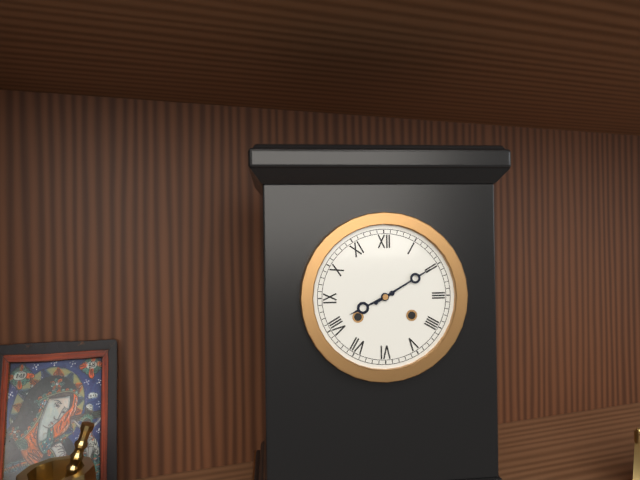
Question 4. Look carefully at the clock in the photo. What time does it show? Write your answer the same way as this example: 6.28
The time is 8.10
